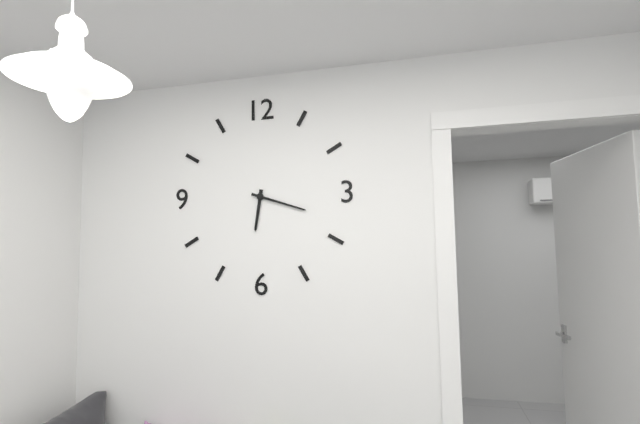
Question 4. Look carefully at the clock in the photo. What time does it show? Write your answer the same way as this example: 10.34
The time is 6.18
